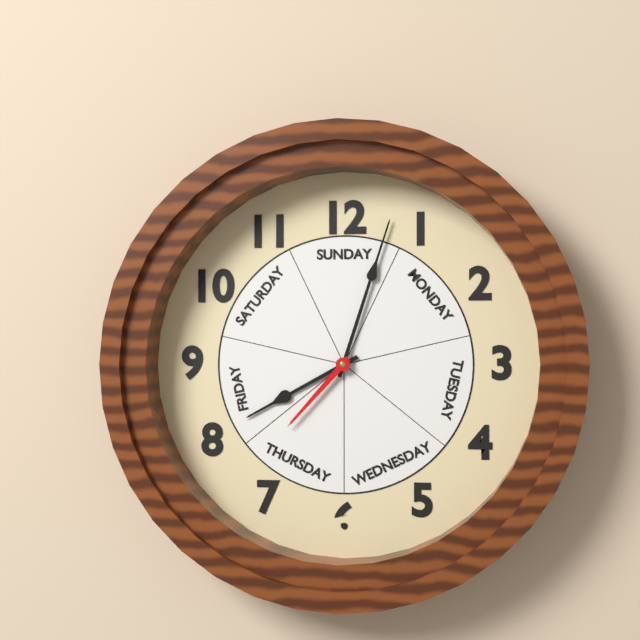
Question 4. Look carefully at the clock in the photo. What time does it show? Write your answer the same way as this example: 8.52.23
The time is 8.03.37
